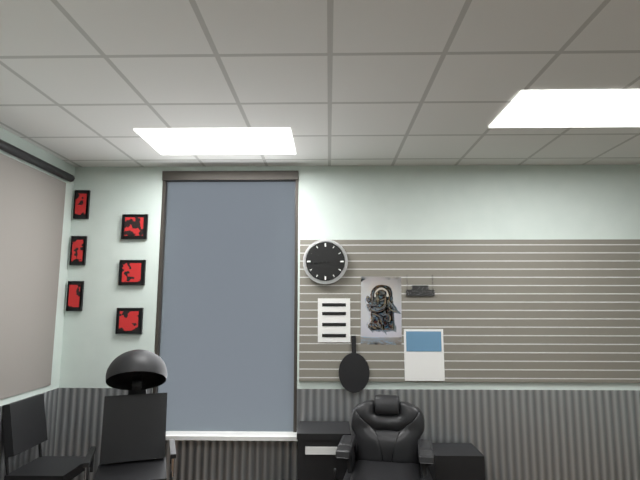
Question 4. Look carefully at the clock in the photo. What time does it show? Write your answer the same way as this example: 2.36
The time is 10.44
